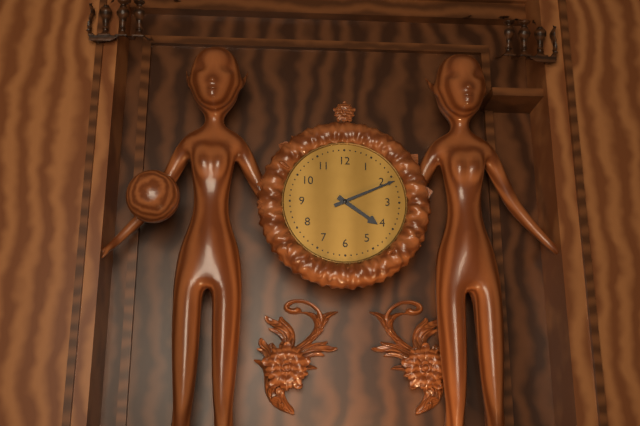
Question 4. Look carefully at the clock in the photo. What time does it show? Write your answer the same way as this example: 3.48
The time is 4.11
